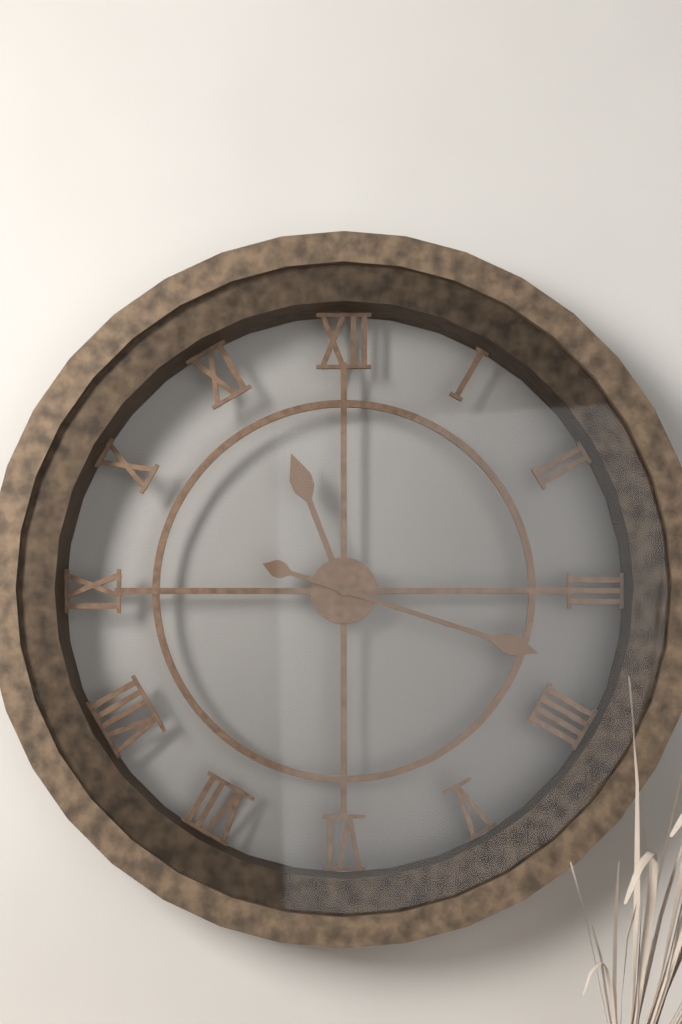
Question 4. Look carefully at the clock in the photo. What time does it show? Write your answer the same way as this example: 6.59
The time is 11.18
